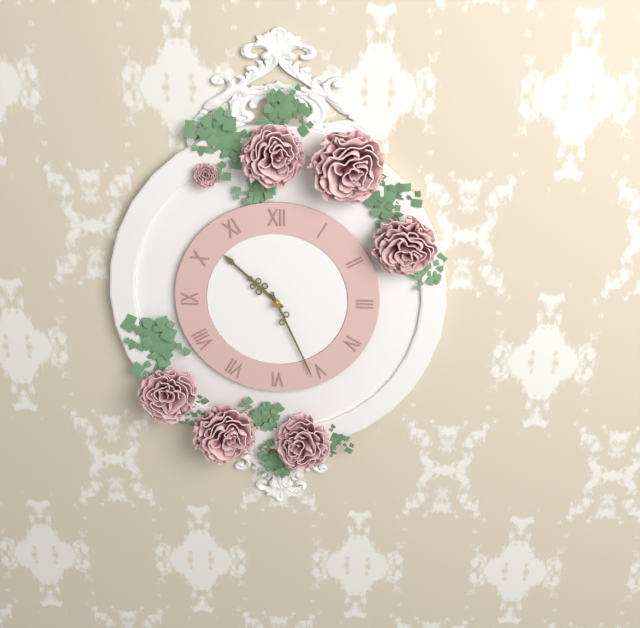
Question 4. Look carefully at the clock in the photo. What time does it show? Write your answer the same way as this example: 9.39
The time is 10.26
